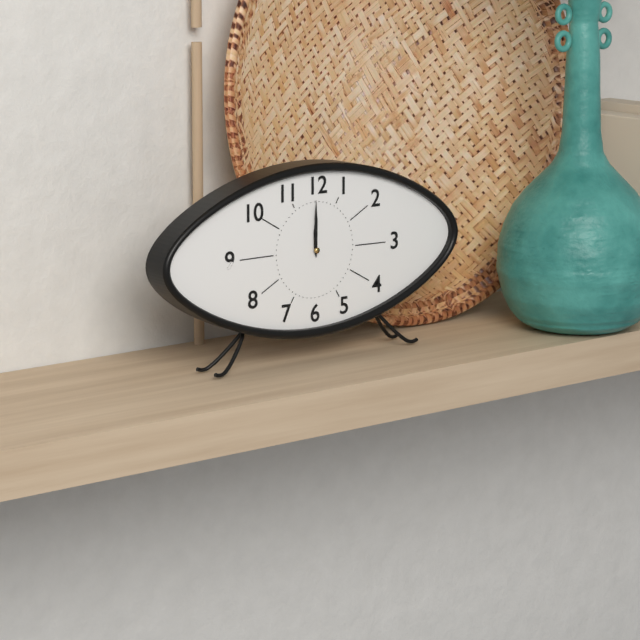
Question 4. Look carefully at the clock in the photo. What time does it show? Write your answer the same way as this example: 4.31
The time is 12.00
